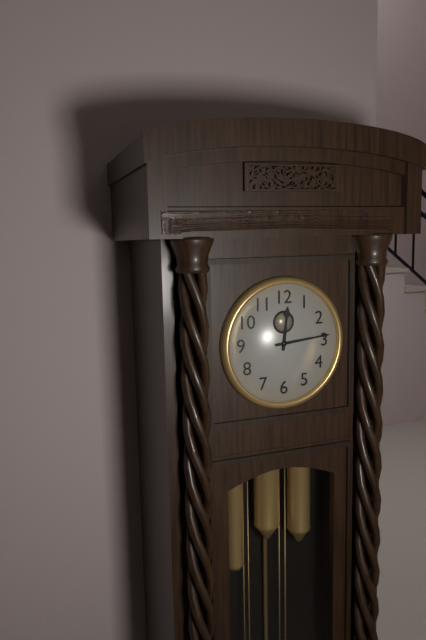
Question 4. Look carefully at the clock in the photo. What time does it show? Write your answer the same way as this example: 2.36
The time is 12.14
